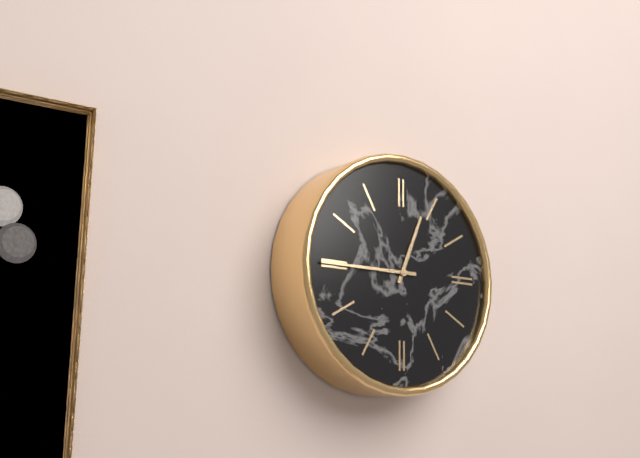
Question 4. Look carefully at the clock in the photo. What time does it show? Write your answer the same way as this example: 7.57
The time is 12.45
